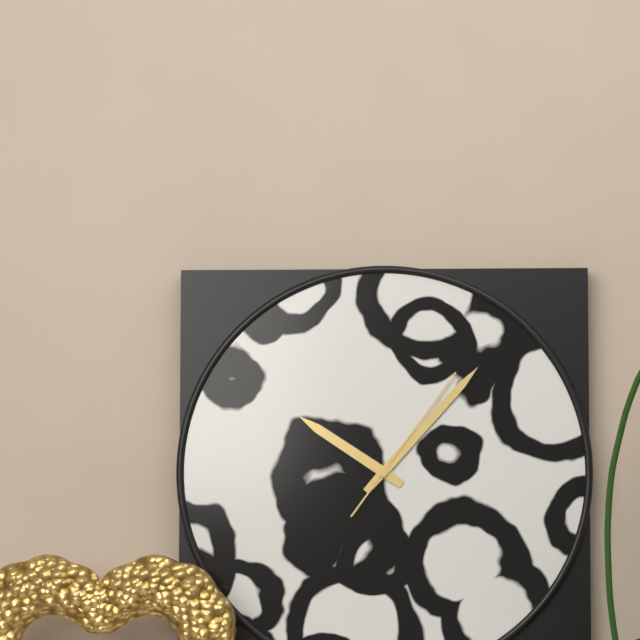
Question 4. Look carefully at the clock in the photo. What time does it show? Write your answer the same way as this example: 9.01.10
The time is 10.07.06
